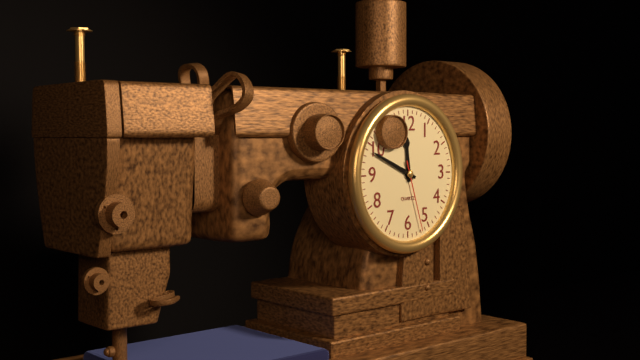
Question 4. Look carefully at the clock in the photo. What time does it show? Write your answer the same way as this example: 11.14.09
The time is 11.49.27
